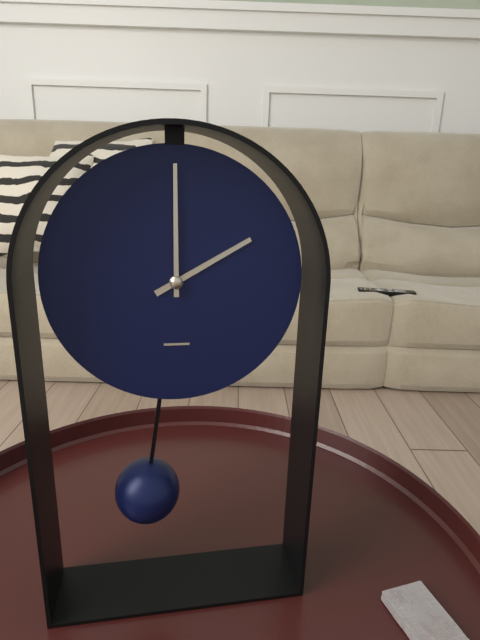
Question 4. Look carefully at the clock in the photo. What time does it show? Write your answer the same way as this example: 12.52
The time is 2.00
